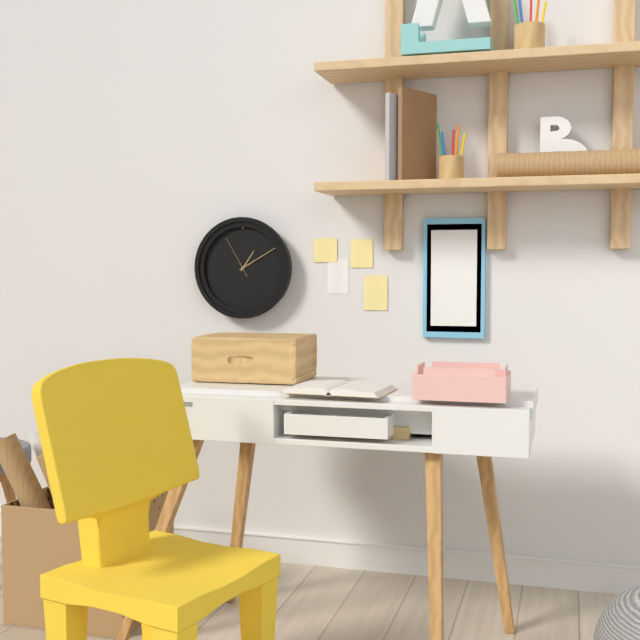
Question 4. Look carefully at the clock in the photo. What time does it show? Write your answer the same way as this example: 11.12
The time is 1.10
